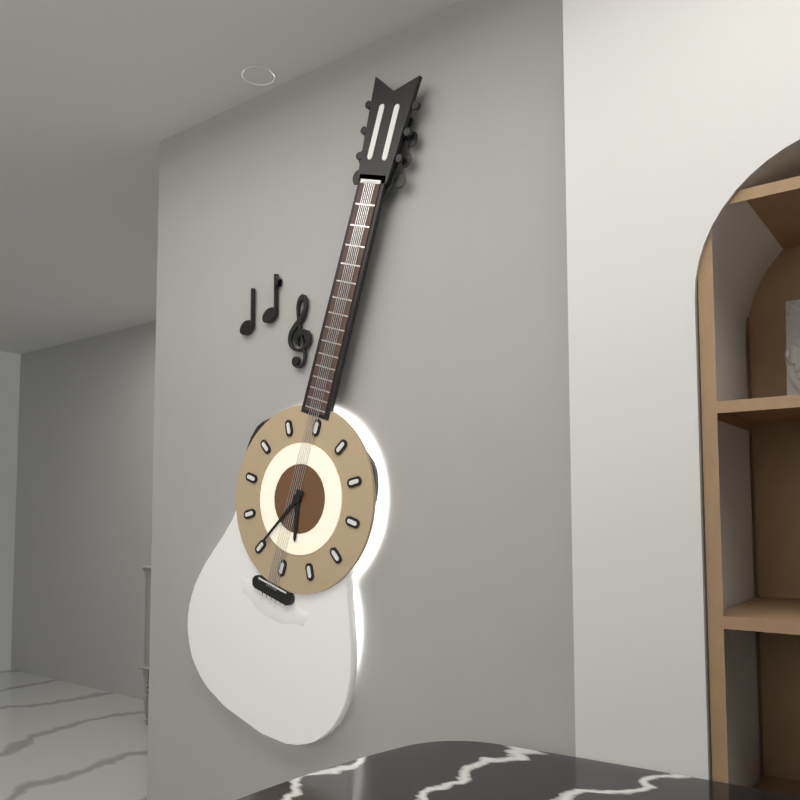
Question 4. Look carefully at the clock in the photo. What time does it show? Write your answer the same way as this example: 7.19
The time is 5.35
